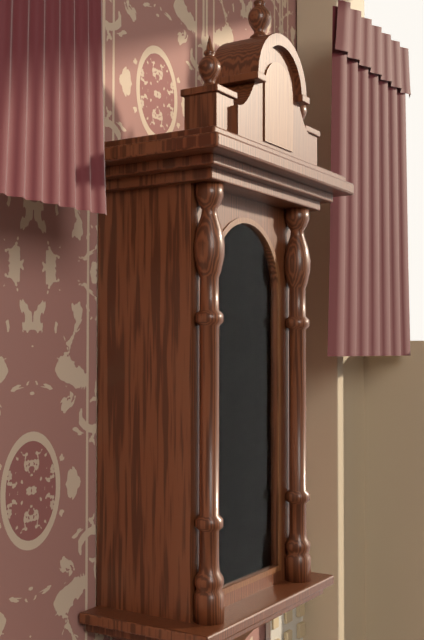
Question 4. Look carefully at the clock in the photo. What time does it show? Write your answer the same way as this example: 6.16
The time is 6.31
